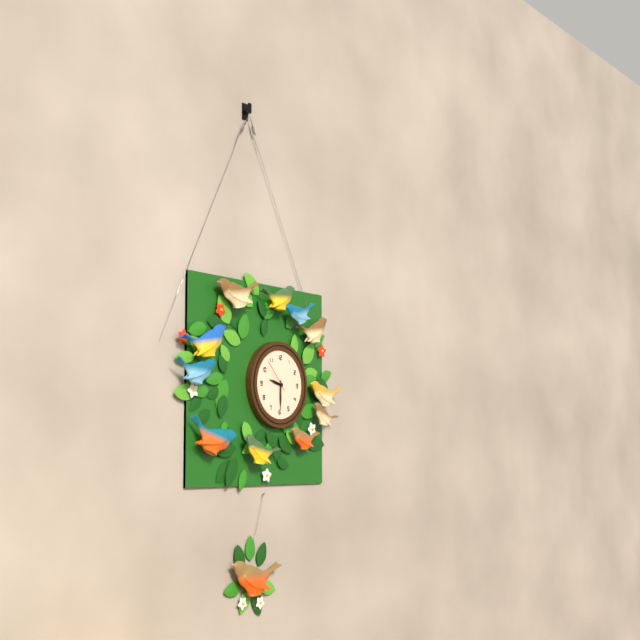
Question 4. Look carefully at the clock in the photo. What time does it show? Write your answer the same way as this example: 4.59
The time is 9.30
